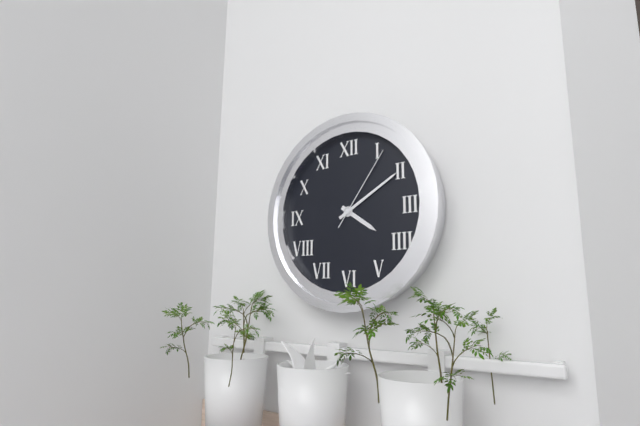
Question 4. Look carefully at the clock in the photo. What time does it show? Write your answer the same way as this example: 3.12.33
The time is 4.10.06
